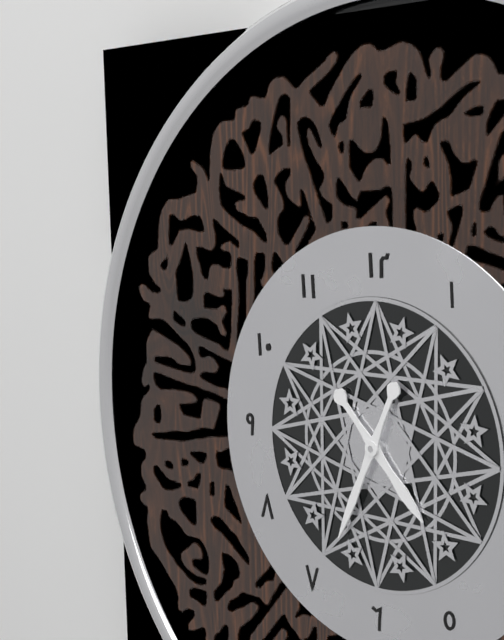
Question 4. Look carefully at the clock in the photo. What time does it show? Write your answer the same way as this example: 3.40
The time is 4.34
